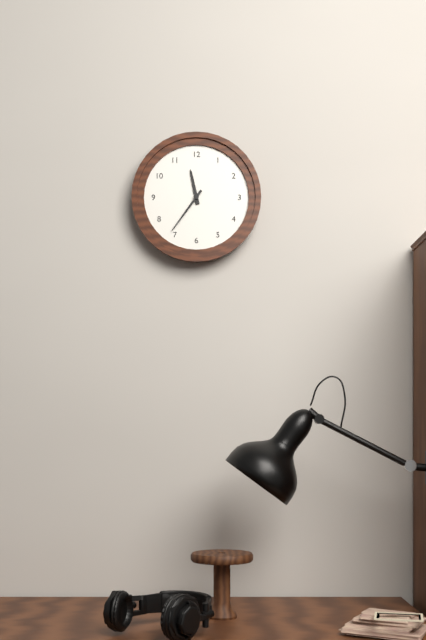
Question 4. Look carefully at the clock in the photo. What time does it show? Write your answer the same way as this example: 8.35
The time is 11.36
